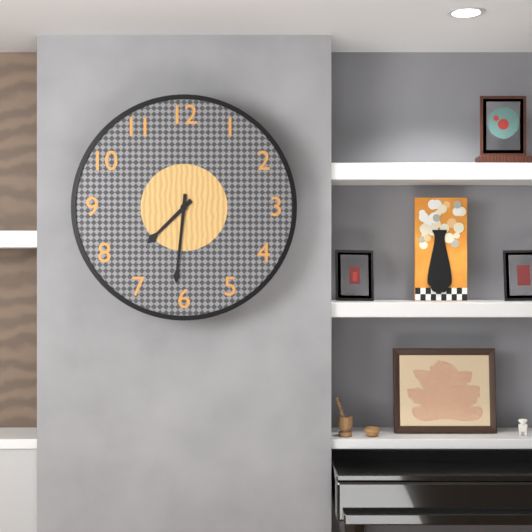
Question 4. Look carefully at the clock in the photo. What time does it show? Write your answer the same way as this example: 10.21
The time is 7.31
